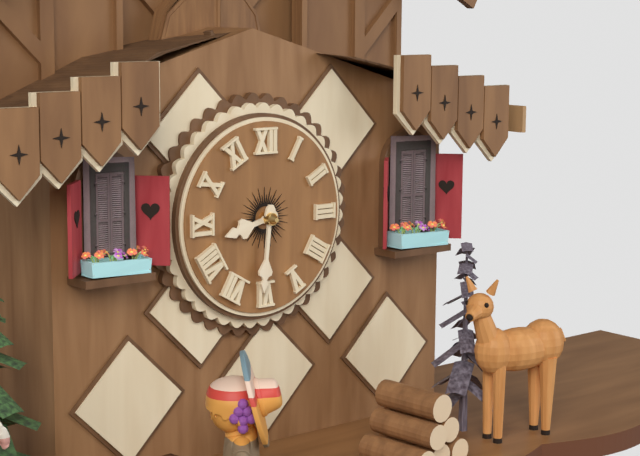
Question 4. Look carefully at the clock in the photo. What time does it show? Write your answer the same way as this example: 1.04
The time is 8.31
